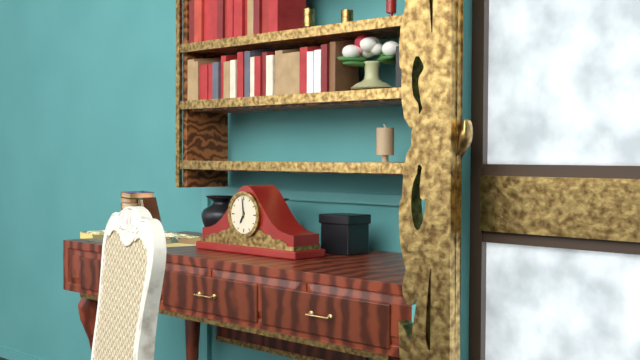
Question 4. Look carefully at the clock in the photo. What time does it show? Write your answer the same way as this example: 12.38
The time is 6.59
